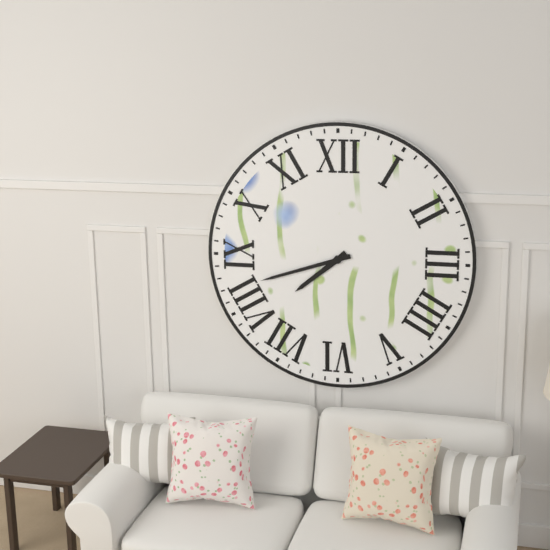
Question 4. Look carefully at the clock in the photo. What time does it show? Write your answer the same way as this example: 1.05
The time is 7.42
